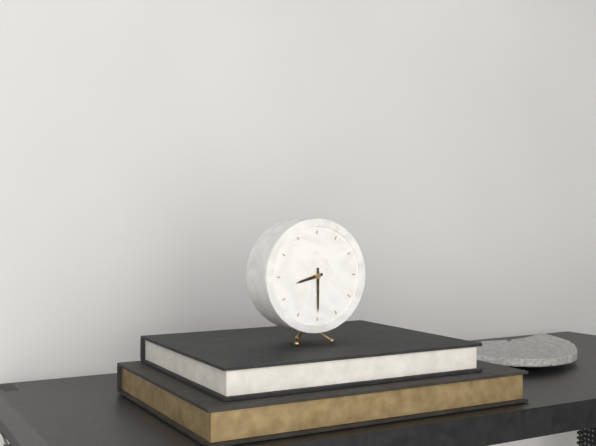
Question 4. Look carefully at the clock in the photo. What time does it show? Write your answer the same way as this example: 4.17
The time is 8.30
